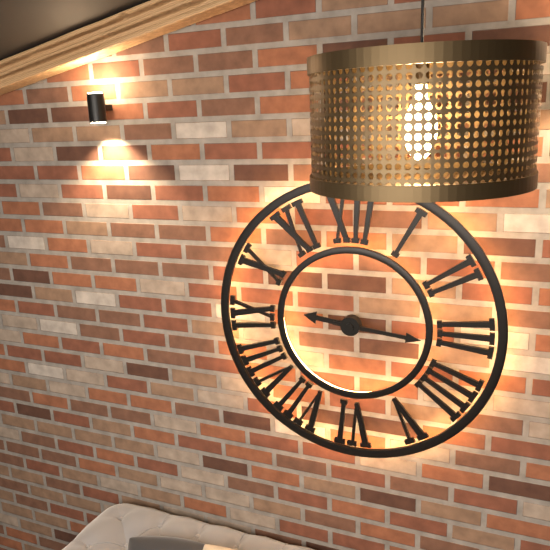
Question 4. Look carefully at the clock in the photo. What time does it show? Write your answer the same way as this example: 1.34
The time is 9.16
